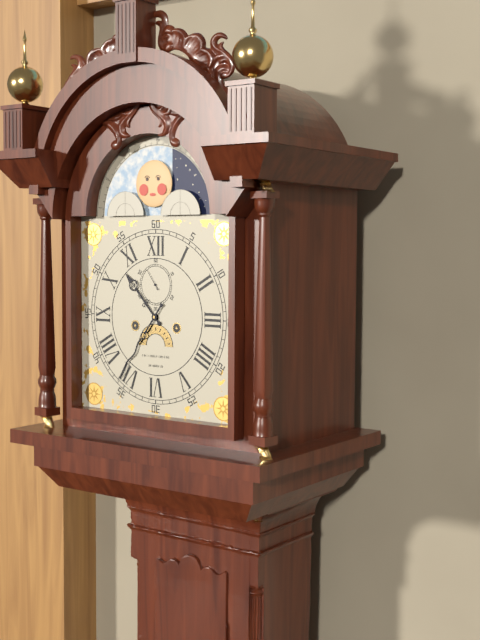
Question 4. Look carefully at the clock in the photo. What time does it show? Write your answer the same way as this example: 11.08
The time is 10.36
